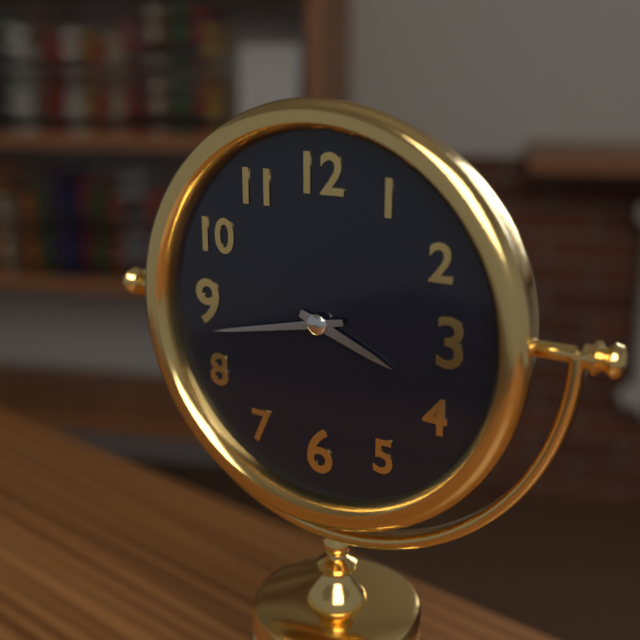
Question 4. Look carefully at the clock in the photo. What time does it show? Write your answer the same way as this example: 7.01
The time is 3.43
